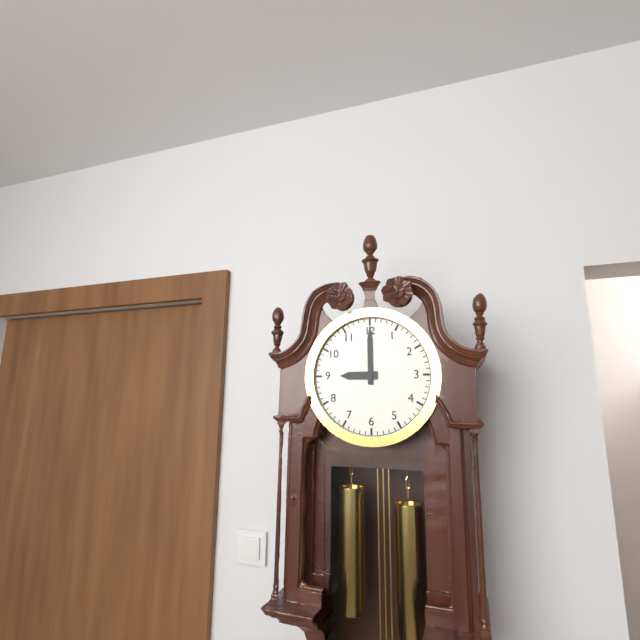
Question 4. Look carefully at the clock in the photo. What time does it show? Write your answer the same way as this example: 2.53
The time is 9.00
